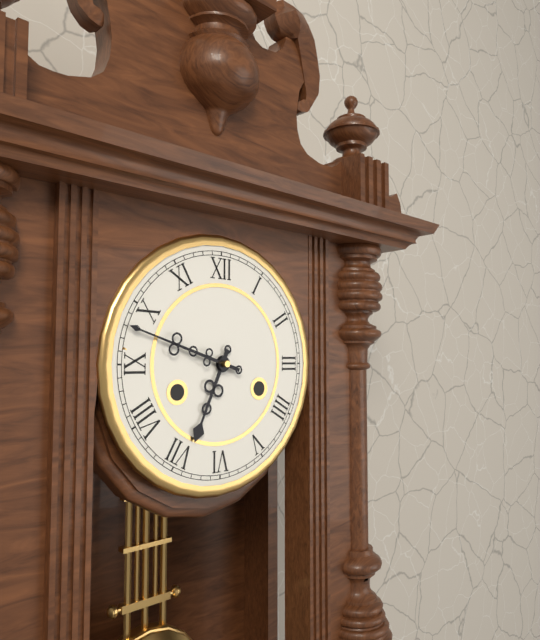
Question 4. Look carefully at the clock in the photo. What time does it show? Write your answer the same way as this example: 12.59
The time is 6.48
